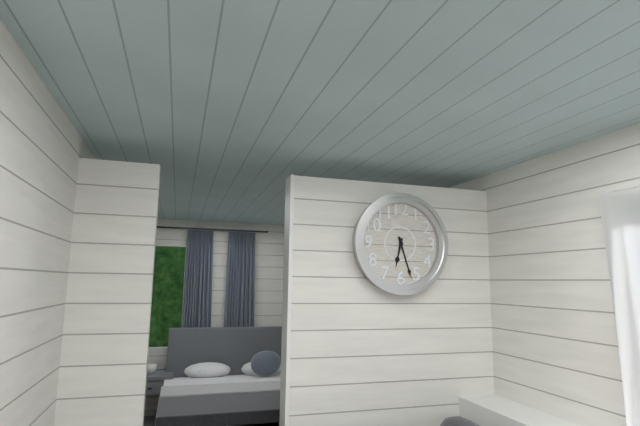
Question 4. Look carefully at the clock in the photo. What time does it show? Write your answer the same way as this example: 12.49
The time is 6.27
